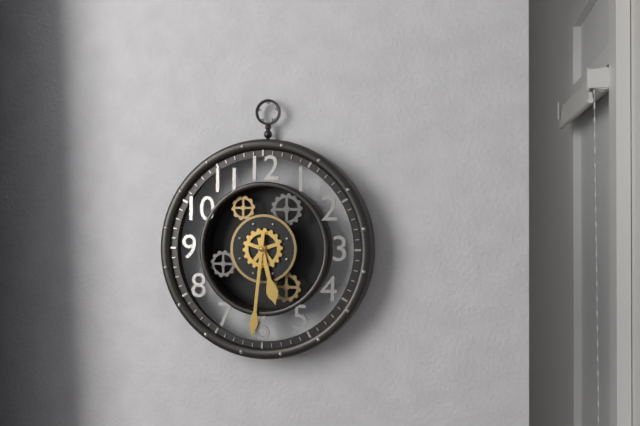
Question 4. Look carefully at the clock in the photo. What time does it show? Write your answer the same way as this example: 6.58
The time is 5.31
